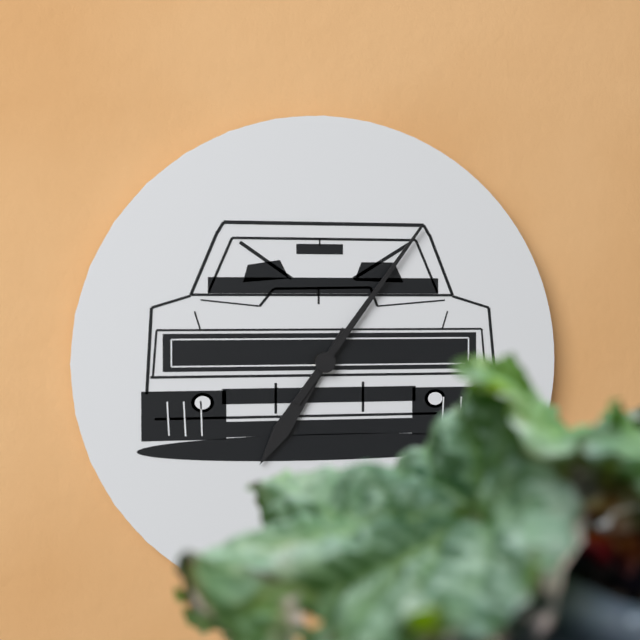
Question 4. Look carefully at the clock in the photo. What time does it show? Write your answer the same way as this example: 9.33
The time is 7.06
